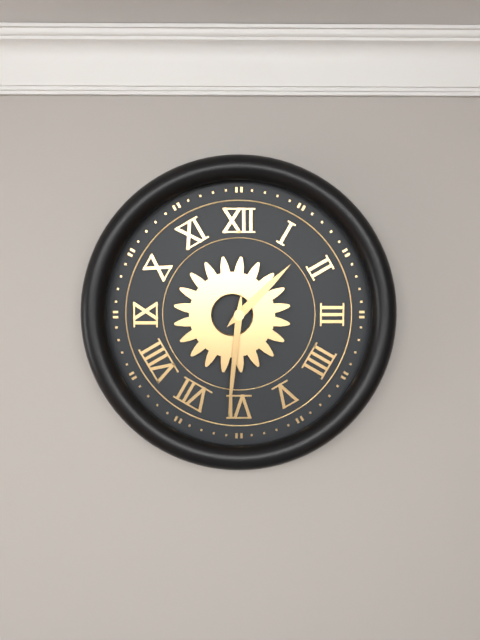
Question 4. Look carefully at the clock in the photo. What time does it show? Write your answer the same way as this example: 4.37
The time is 1.31
